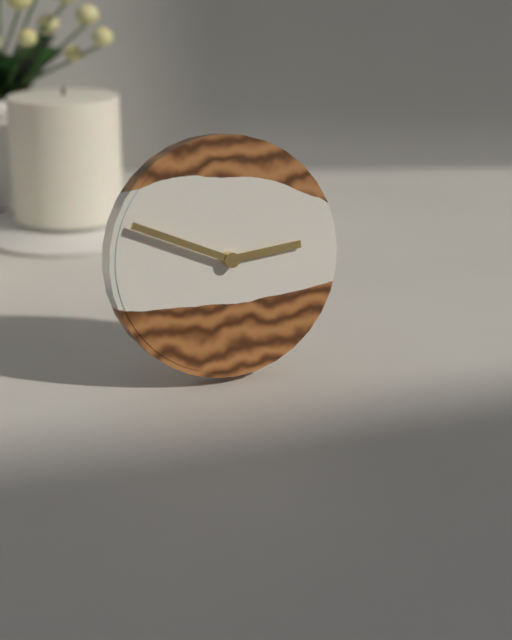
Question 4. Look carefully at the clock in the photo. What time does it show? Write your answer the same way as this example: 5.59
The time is 2.49
